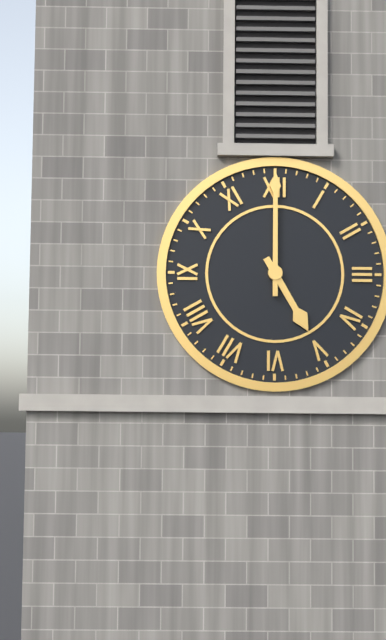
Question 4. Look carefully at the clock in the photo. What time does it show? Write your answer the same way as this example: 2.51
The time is 5.00
